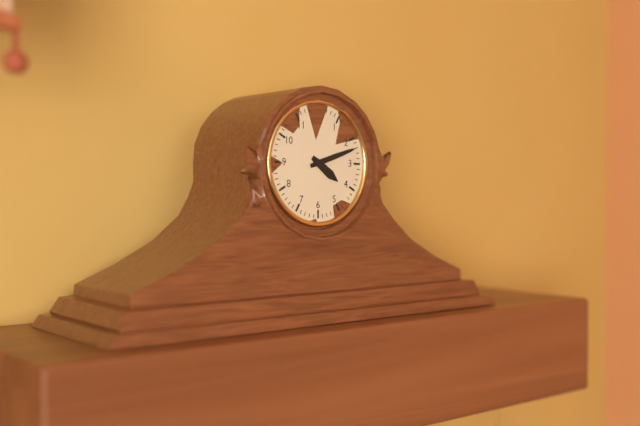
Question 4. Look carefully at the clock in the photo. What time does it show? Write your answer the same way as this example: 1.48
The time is 4.12
